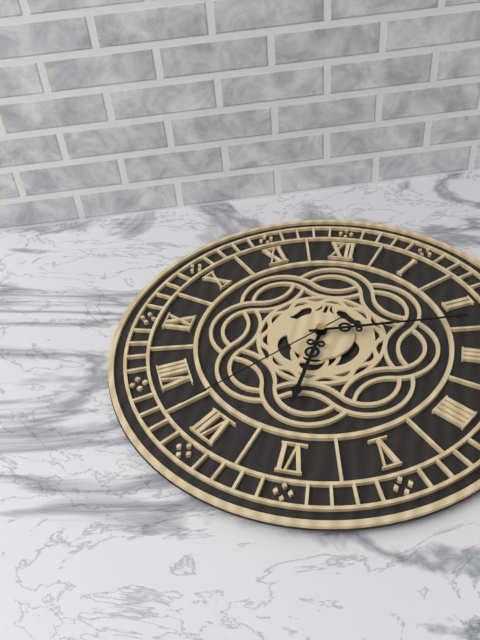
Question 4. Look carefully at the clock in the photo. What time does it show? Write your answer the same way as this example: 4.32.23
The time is 6.12.37
